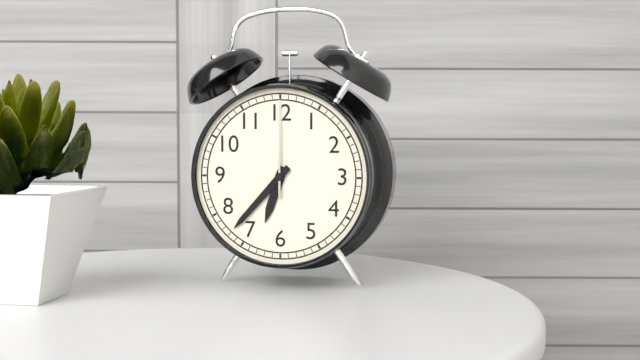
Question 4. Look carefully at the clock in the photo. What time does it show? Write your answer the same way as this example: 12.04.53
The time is 6.37.00
